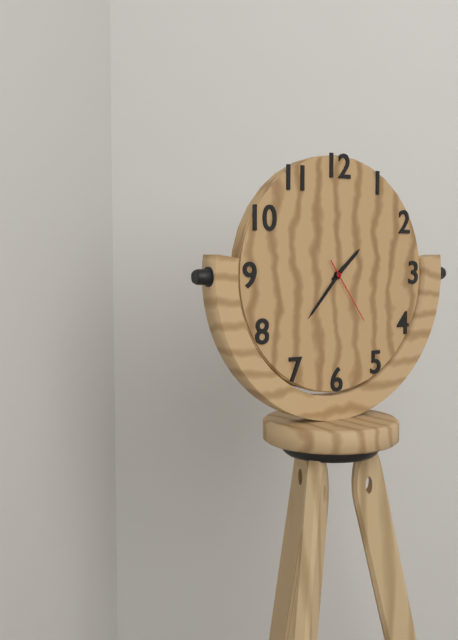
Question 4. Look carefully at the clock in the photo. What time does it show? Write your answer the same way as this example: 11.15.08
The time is 1.37.24
